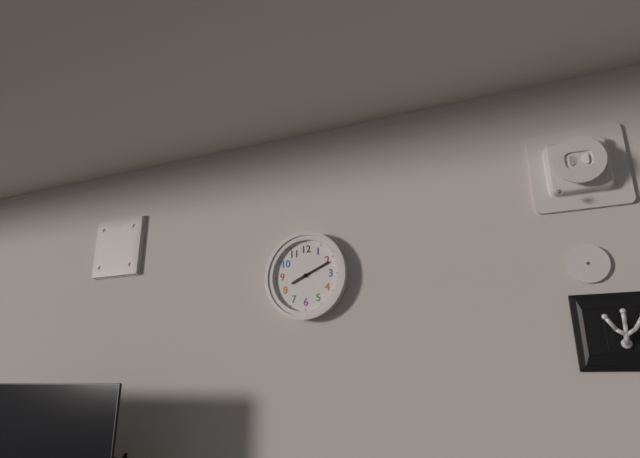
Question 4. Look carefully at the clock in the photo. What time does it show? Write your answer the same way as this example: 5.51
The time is 8.11
